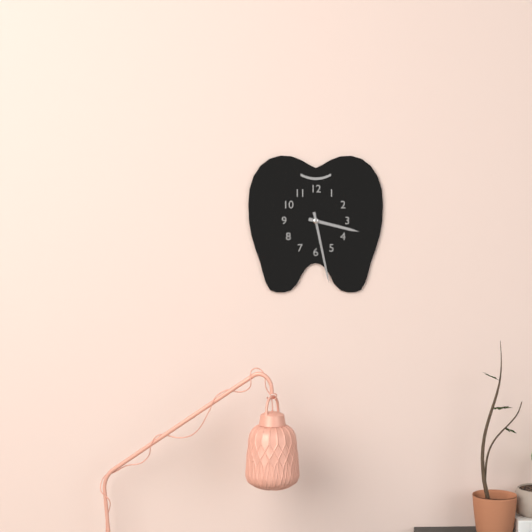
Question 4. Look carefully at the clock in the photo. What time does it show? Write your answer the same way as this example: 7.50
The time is 3.28
